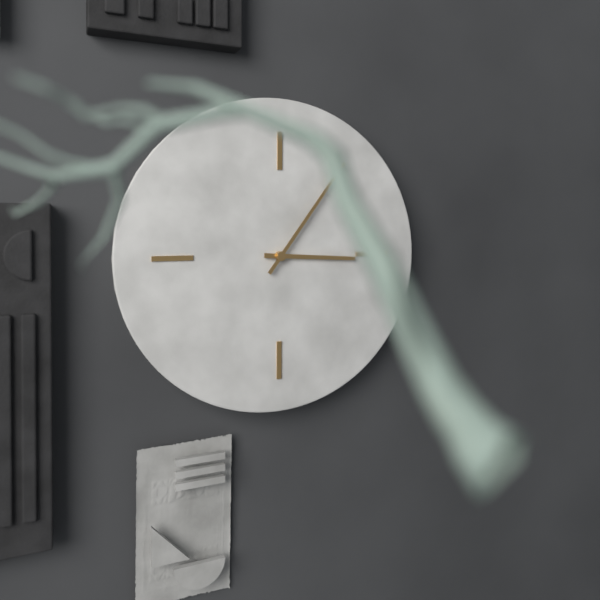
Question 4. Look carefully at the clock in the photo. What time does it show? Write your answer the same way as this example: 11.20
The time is 3.06
